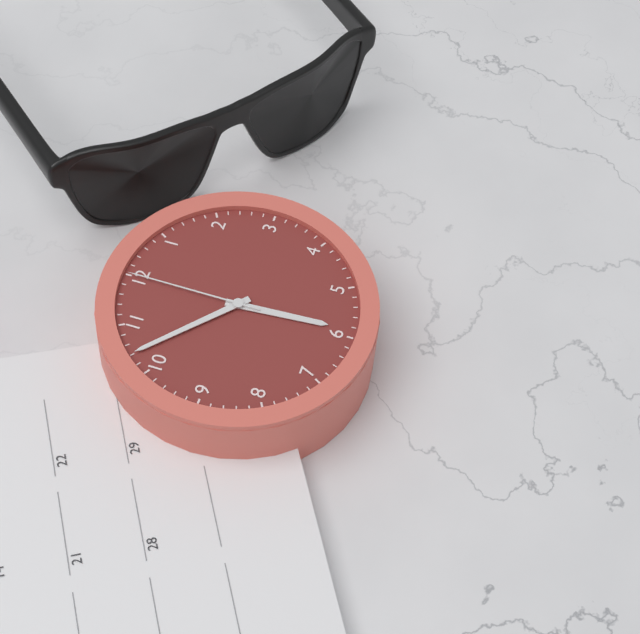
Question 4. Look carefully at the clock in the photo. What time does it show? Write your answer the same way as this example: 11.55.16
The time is 5.52.00
